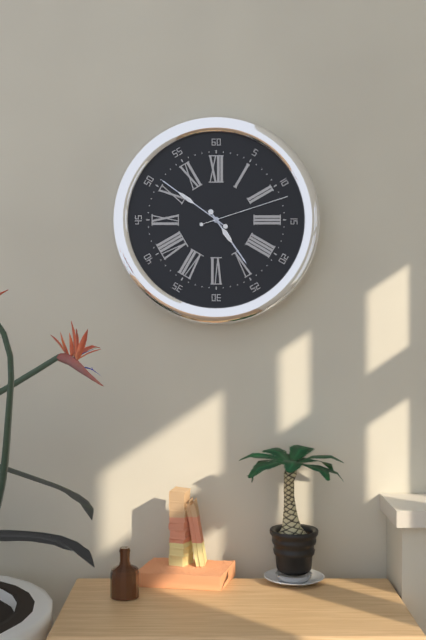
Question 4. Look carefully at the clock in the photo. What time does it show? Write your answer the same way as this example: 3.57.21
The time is 4.51.12
